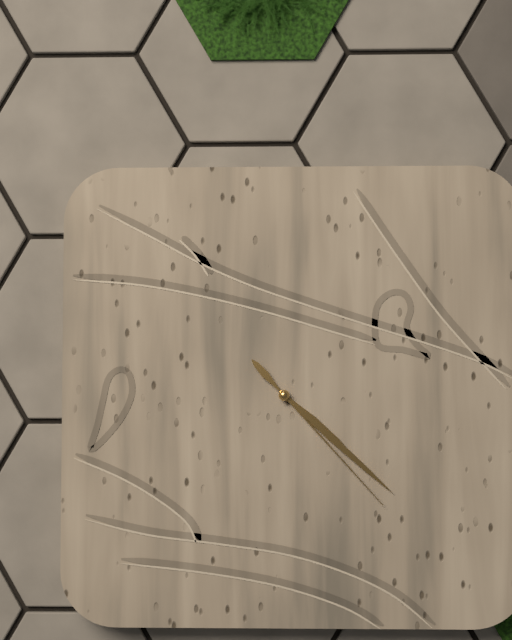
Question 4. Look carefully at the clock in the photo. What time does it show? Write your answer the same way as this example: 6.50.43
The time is 4.22.23
